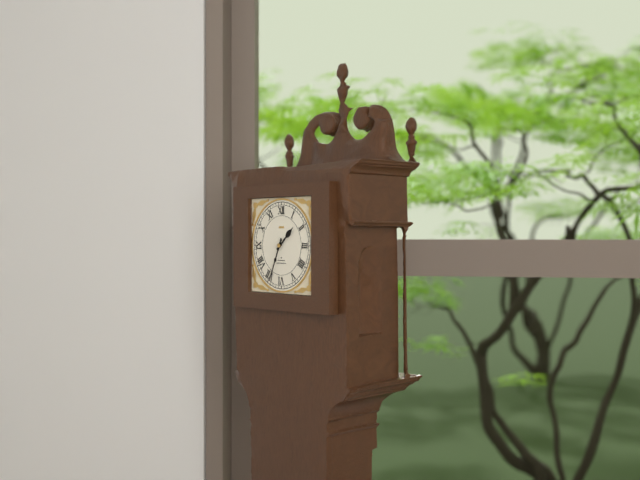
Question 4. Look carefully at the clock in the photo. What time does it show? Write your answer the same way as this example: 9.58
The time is 1.34
